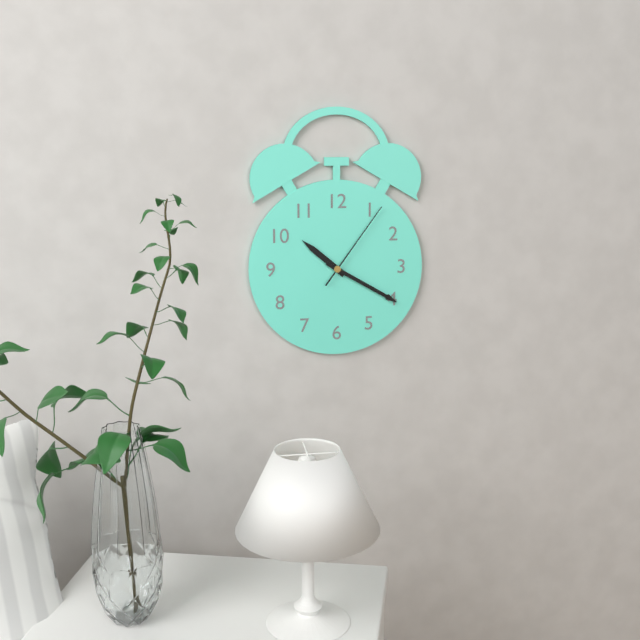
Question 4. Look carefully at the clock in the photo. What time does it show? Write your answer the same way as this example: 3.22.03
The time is 10.20.06
